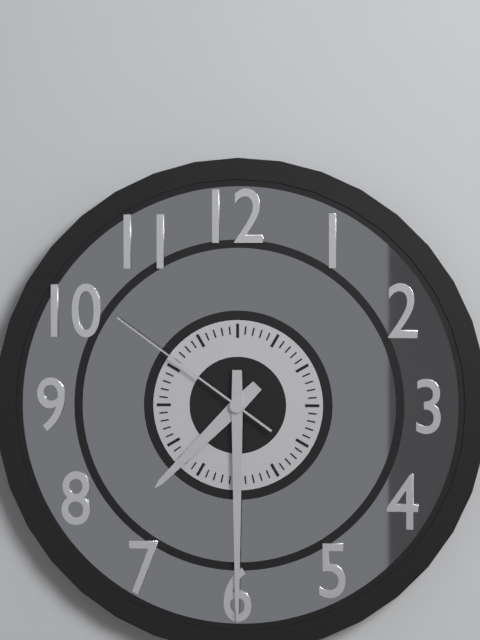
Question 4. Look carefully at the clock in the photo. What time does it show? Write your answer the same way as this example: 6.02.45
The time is 7.30.51
